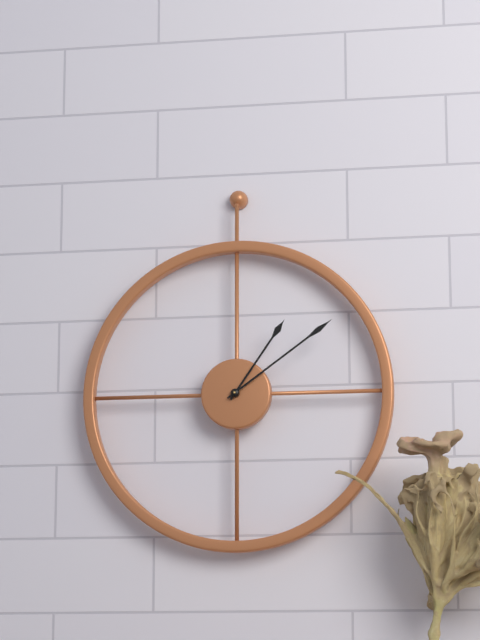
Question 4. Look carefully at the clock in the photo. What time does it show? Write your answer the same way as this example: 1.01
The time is 1.09
